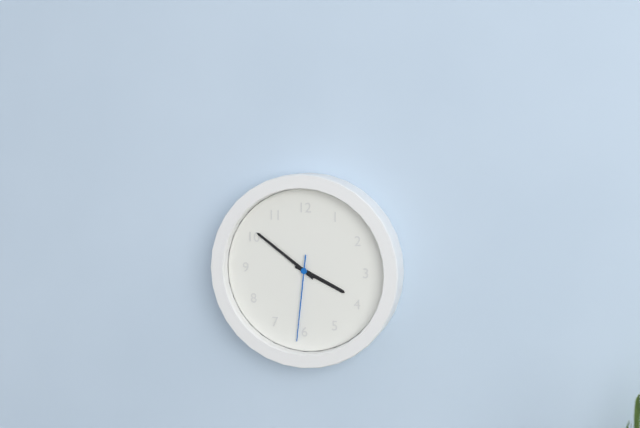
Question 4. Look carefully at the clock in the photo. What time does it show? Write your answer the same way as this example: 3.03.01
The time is 3.51.31
